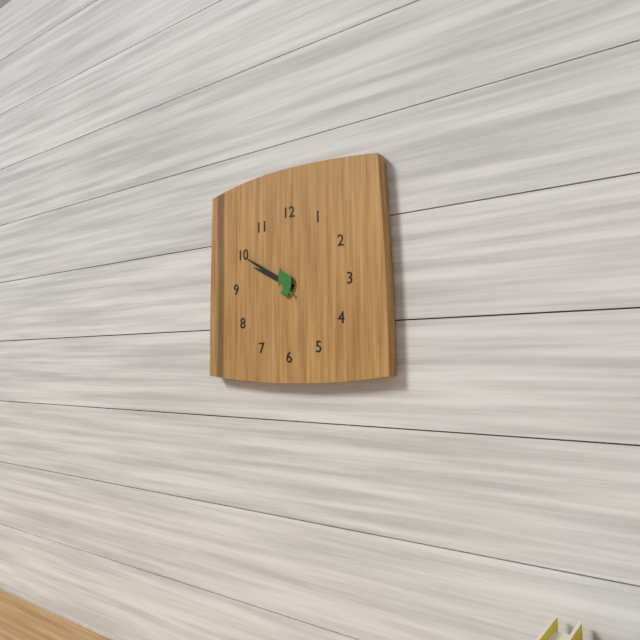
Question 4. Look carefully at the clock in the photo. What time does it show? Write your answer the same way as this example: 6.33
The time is 9.50
